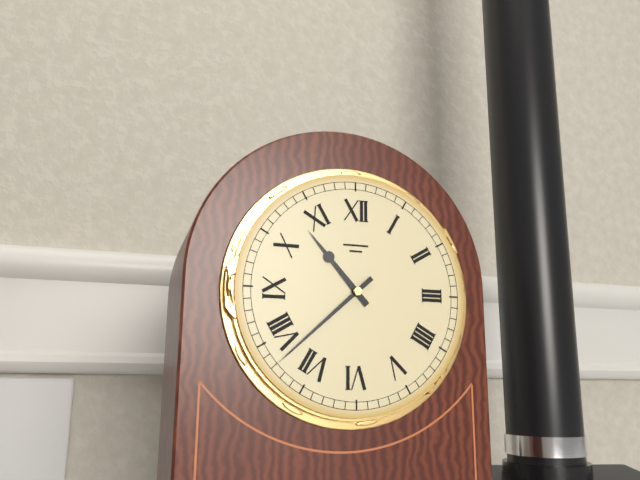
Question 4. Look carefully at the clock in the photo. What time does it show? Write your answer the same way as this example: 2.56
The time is 10.38
